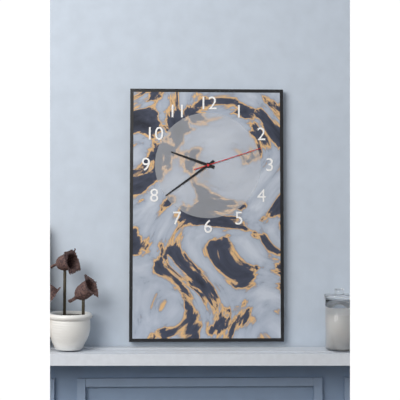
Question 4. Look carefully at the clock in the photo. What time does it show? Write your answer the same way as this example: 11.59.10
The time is 9.39.12
